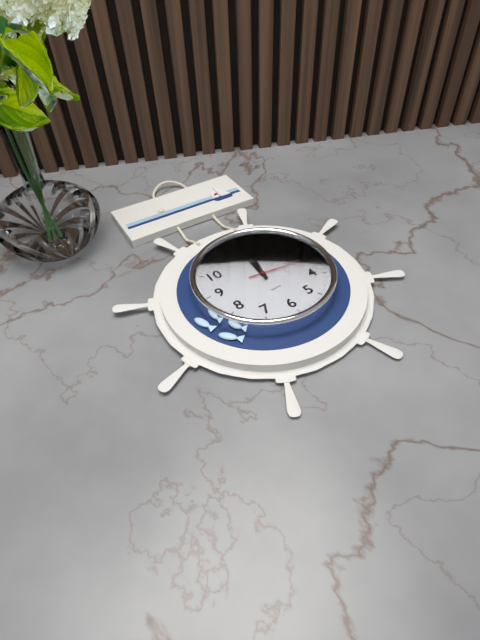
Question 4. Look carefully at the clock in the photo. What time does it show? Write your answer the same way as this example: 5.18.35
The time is 12.02.16
